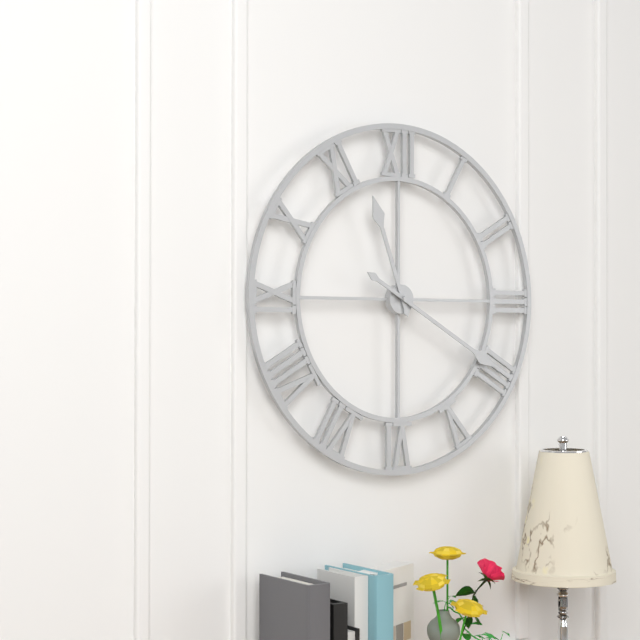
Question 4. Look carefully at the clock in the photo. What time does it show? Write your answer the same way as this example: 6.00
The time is 11.20
